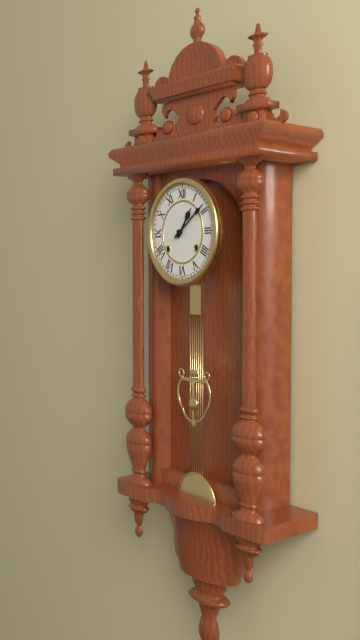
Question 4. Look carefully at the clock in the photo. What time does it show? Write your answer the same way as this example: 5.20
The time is 1.09
